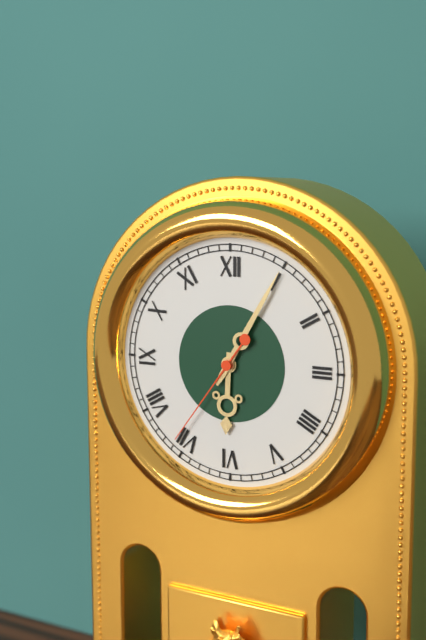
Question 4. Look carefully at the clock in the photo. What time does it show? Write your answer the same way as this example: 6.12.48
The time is 6.05.36
